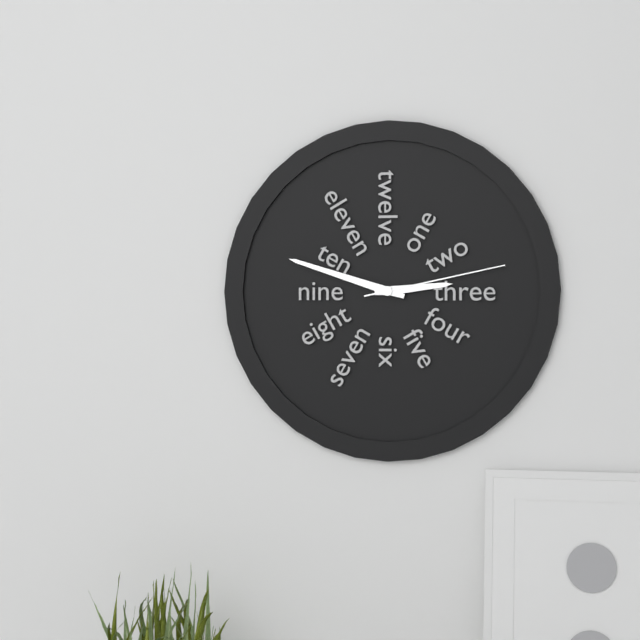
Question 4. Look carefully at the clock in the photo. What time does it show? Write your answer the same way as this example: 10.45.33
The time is 2.48.13
